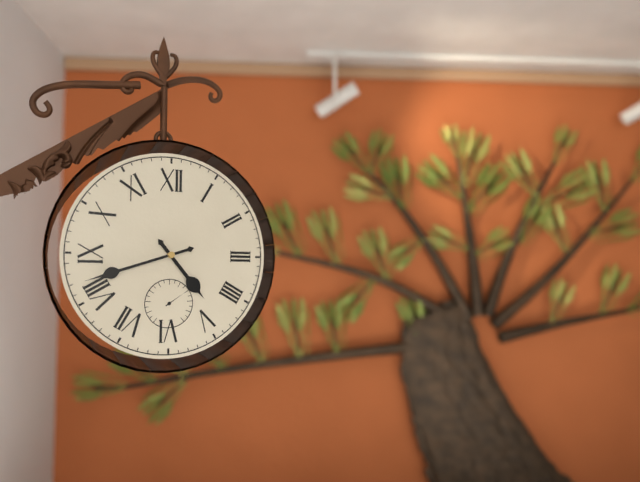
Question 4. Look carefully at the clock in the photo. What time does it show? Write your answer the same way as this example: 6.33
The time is 4.42
